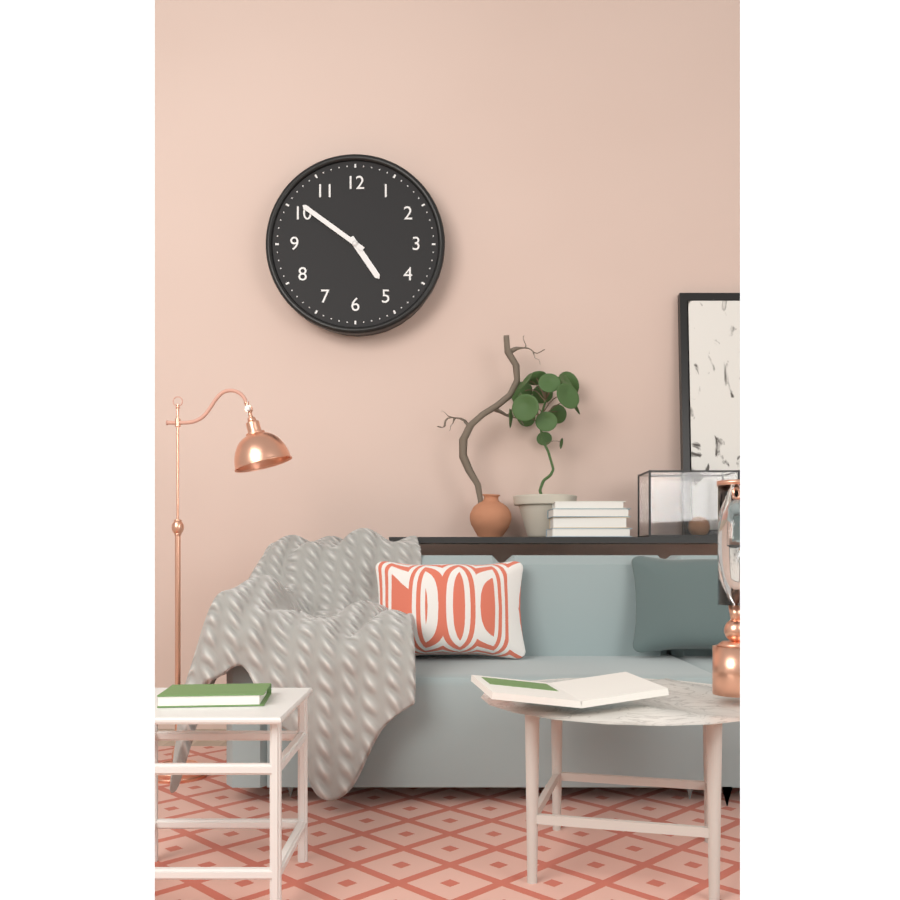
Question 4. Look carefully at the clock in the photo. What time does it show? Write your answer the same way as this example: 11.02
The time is 4.51
